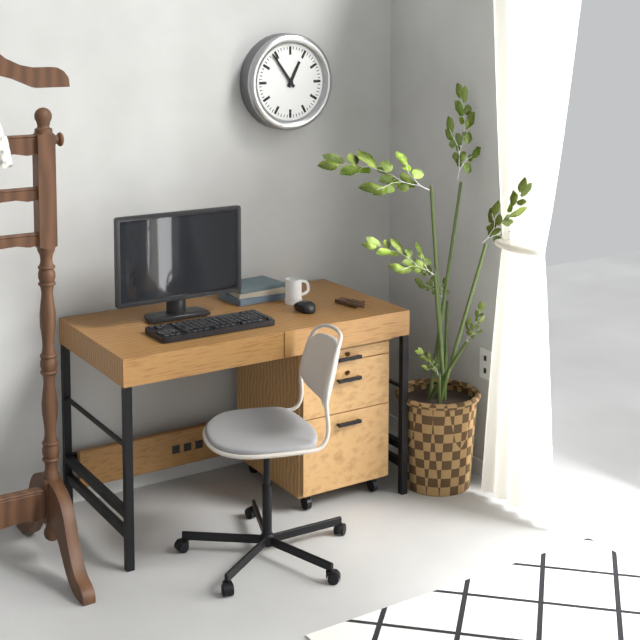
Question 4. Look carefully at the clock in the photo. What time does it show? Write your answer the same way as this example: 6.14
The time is 12.54
